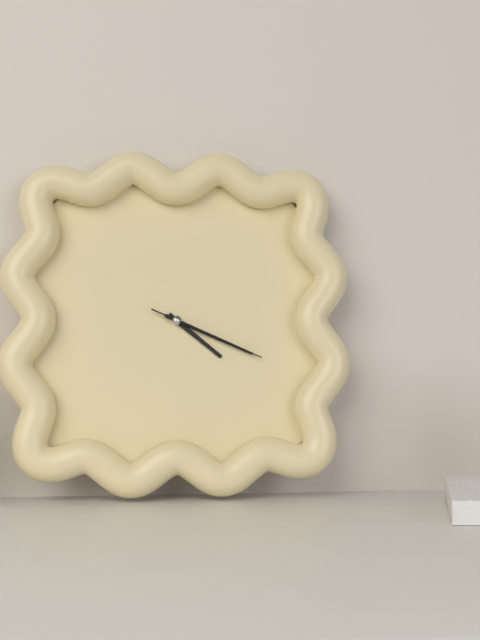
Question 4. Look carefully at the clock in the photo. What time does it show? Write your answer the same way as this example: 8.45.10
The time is 4.19.19
